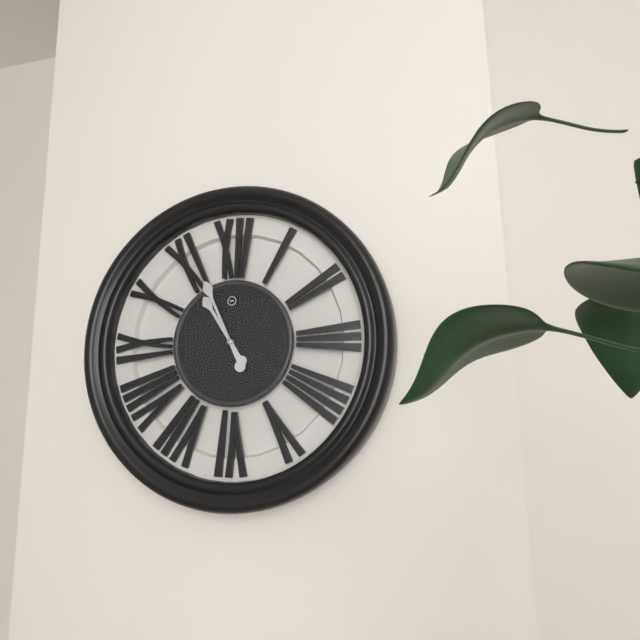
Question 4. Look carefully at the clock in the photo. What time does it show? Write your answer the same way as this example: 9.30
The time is 10.56
